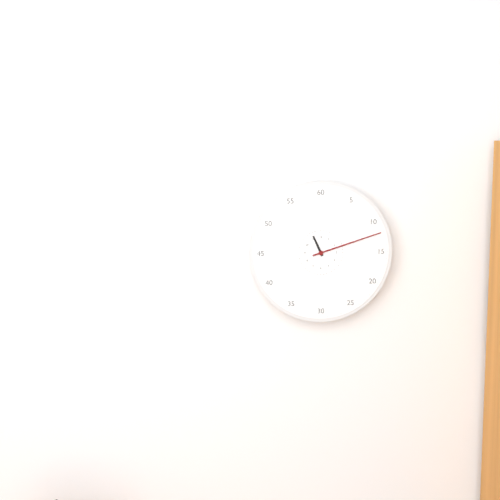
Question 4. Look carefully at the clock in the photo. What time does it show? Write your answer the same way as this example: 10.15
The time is 11.12
